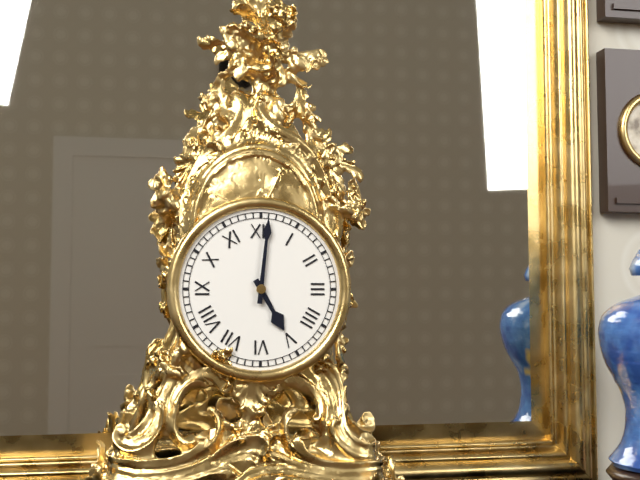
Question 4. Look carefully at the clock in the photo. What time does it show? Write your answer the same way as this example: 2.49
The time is 5.01
